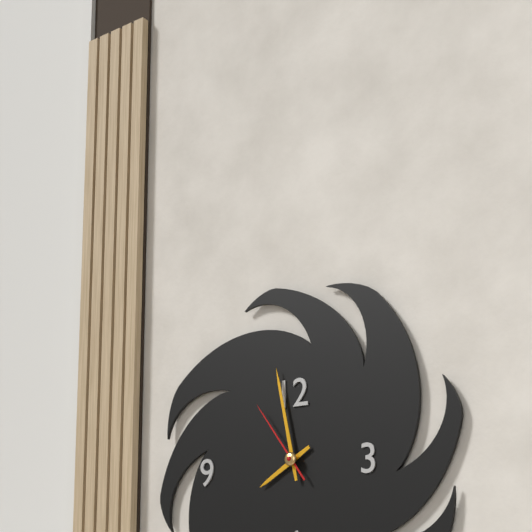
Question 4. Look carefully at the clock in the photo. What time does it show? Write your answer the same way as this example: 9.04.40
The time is 7.58.54
